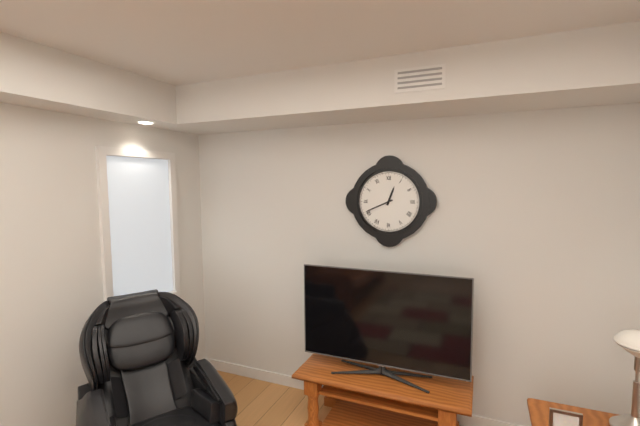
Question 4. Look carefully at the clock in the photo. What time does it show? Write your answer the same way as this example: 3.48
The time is 12.41
